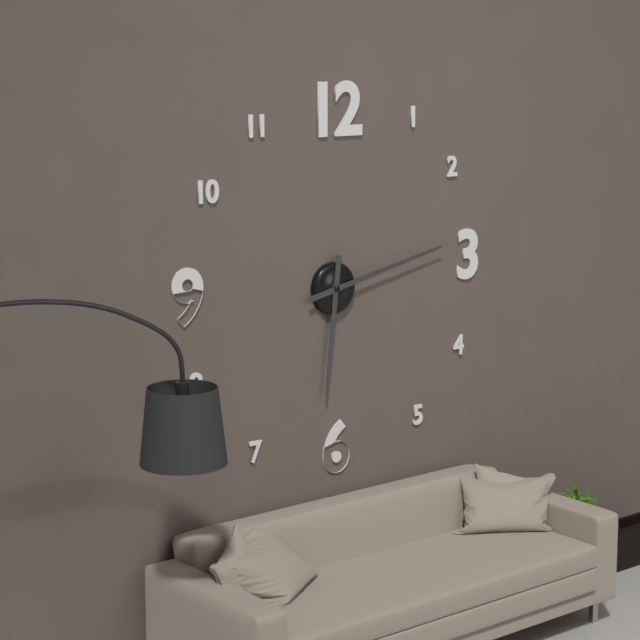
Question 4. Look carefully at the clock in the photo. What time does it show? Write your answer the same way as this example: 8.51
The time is 6.13
